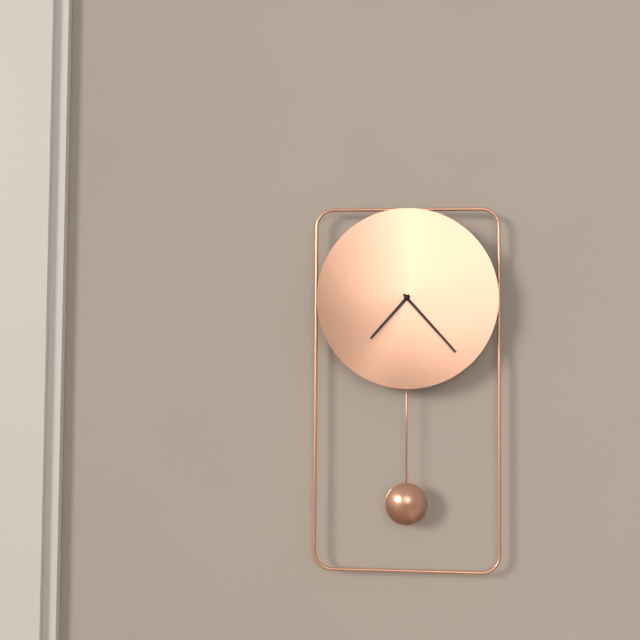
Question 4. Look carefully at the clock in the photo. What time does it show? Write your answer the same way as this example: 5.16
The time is 7.23
